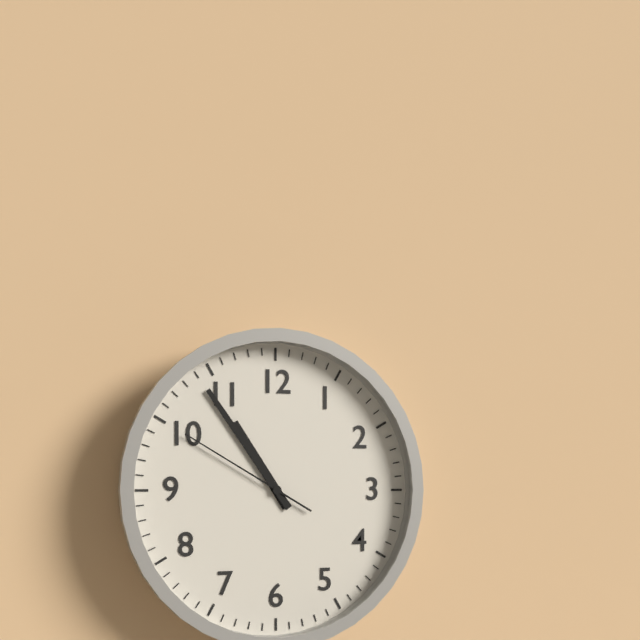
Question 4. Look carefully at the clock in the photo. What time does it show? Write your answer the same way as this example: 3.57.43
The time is 10.54.50
